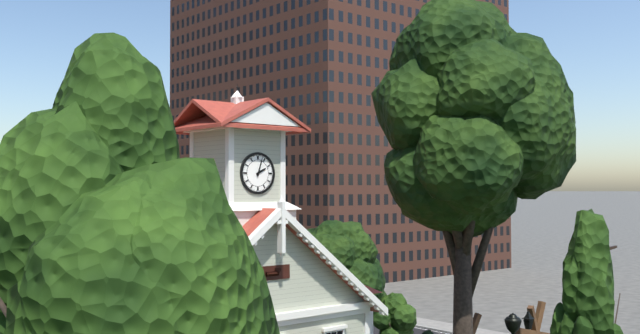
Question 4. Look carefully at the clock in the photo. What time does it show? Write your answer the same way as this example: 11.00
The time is 2.03
